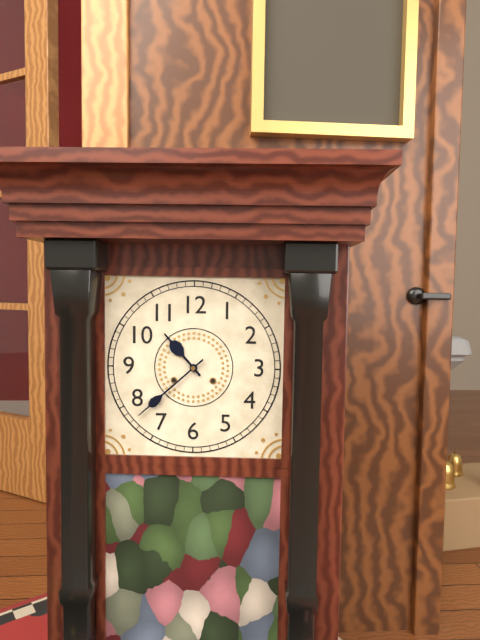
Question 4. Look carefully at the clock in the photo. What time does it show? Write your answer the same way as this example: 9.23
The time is 10.38
